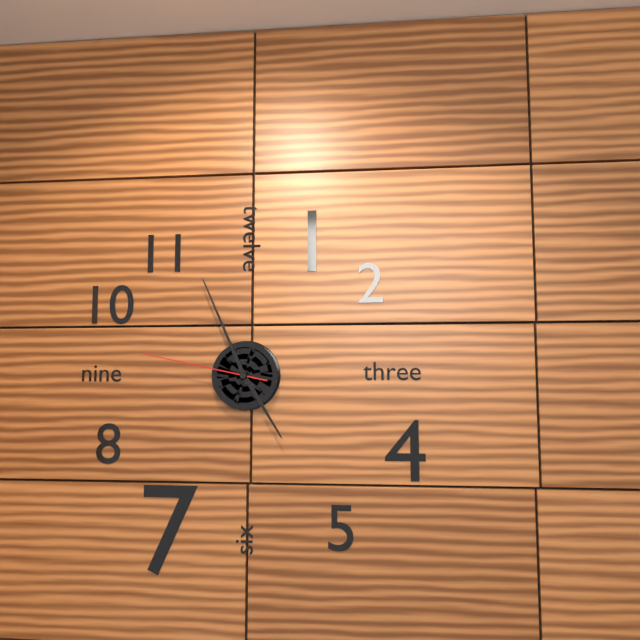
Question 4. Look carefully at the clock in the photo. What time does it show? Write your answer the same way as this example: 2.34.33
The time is 4.56.47
